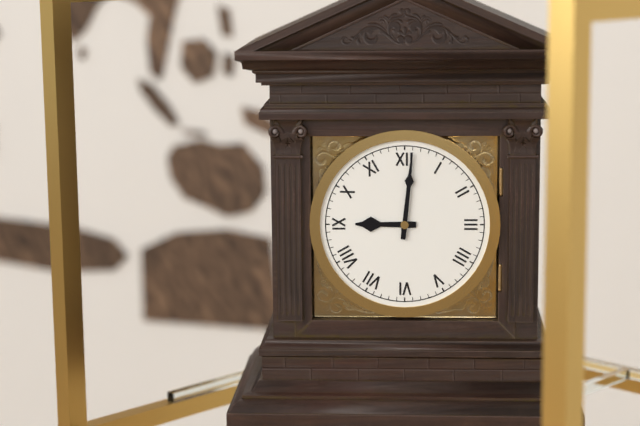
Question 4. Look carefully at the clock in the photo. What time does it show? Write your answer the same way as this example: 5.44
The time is 9.01
